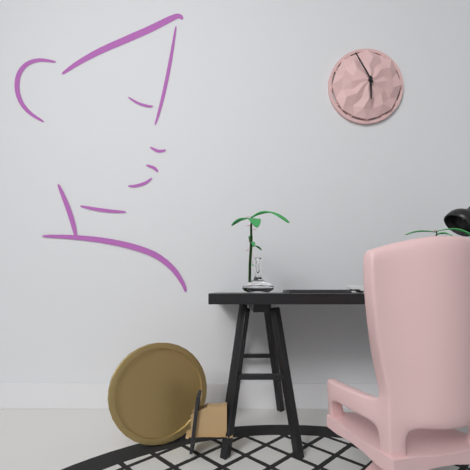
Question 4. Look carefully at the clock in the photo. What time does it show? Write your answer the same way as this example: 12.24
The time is 5.55
